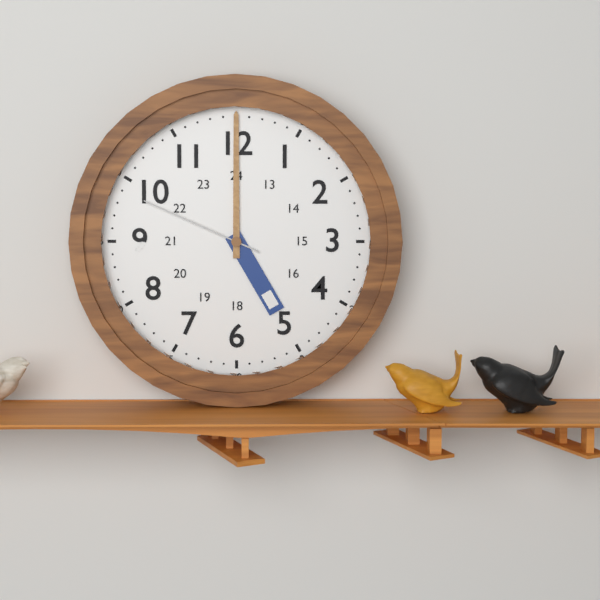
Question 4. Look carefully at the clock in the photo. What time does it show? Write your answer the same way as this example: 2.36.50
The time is 5.00.49
